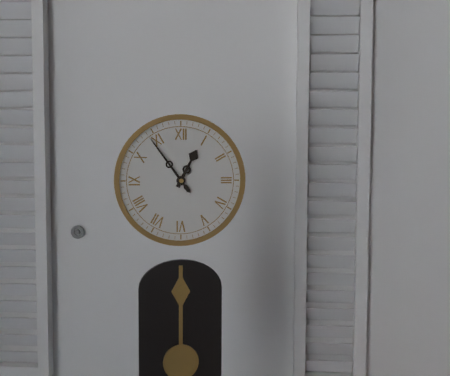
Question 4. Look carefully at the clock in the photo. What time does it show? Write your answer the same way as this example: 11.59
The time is 12.54
